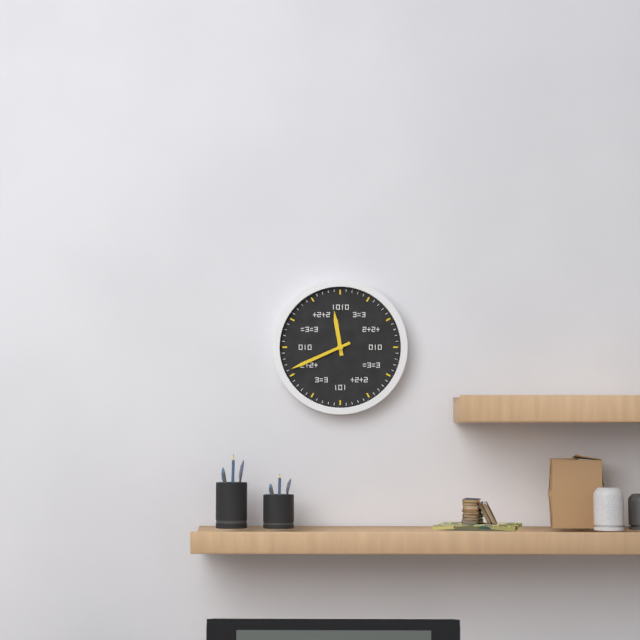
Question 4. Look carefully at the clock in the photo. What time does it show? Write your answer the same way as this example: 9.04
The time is 11.41
